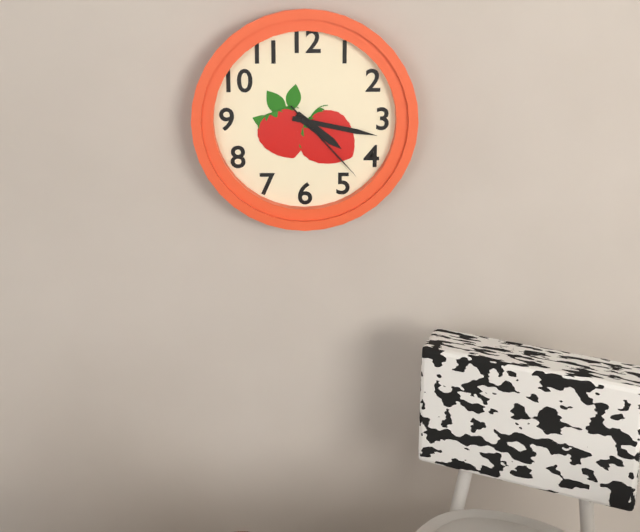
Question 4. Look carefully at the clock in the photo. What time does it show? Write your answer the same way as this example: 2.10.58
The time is 4.17.23
